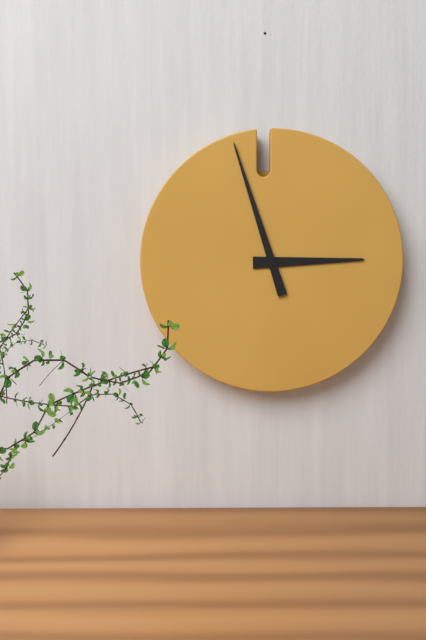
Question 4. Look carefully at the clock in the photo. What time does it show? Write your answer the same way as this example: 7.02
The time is 2.57
